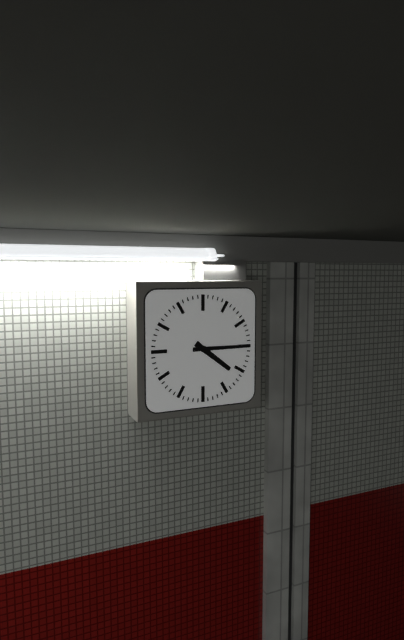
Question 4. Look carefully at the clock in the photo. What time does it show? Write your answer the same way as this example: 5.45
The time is 4.15
